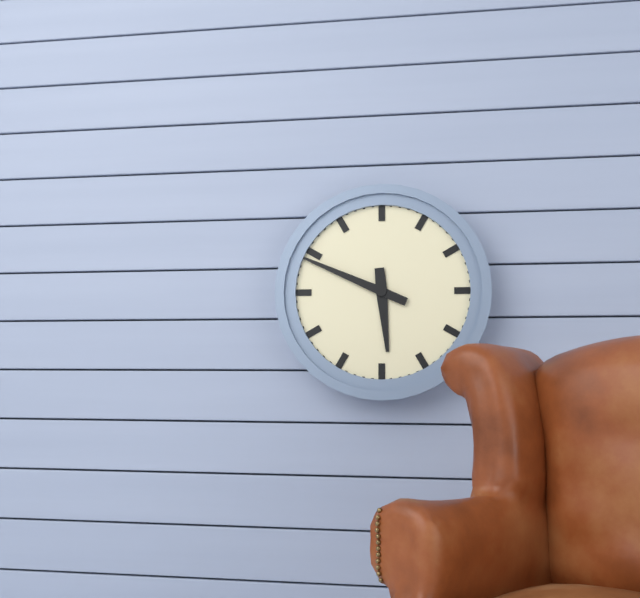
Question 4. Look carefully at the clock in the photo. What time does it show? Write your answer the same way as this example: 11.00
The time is 5.49
